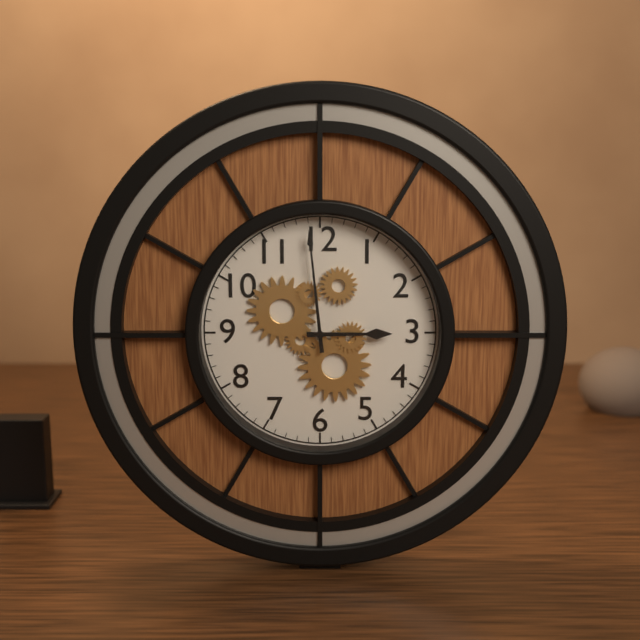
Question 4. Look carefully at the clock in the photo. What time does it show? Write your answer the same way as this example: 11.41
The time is 2.59
